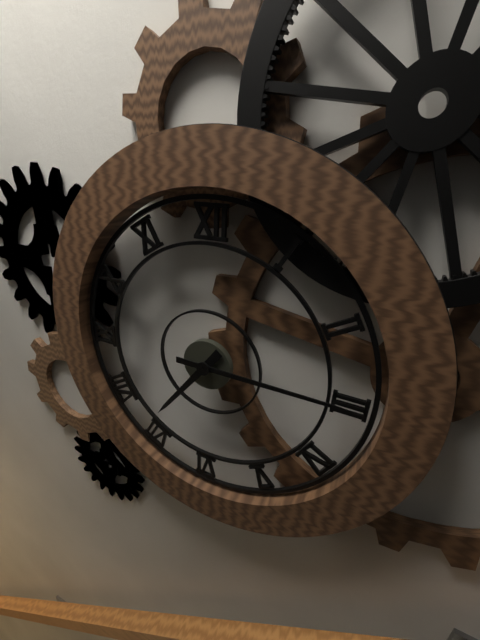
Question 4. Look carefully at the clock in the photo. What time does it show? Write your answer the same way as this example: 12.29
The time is 7.15
